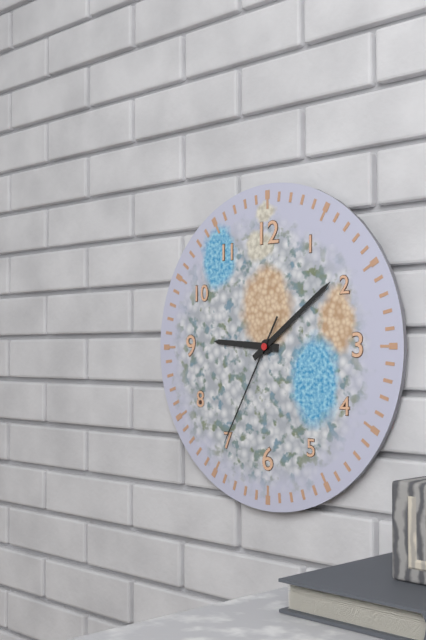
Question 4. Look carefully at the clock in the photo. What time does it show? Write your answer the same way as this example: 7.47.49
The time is 9.09.35
